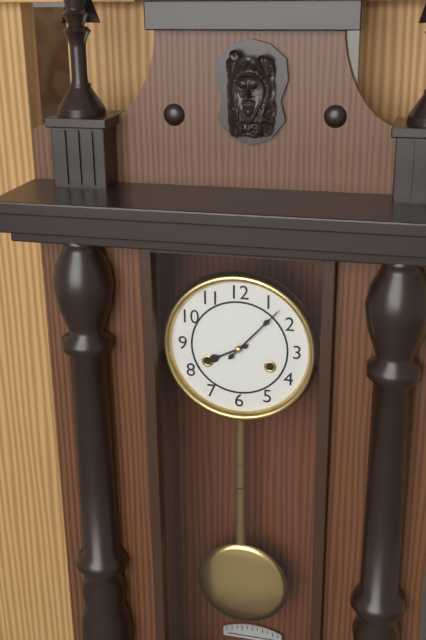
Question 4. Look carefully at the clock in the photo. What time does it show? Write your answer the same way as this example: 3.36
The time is 8.07
